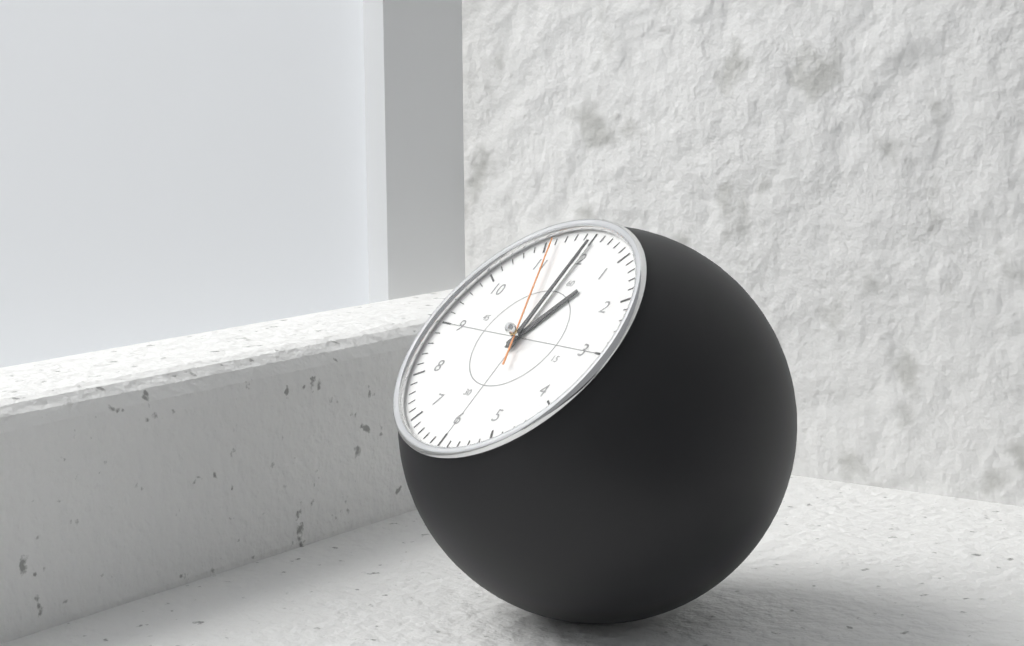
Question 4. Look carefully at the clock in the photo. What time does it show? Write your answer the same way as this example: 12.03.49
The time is 1.00.56
